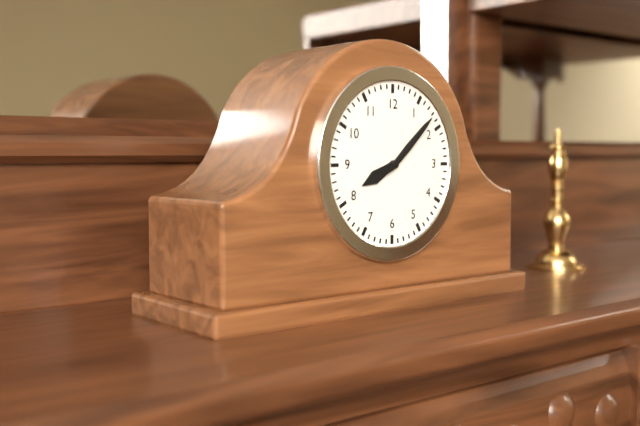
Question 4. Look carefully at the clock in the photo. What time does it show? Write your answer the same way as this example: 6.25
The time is 8.08
